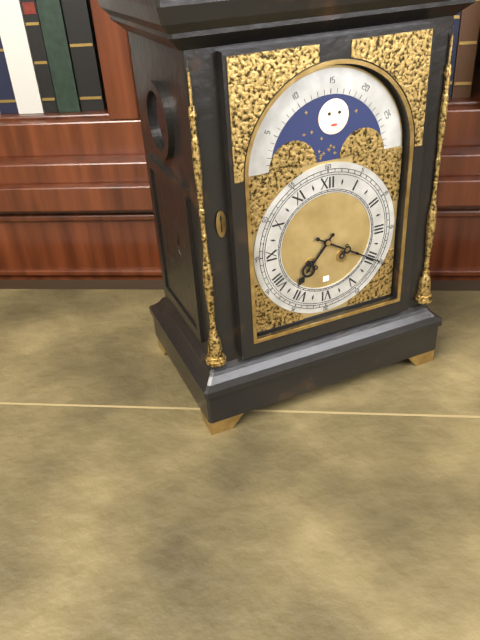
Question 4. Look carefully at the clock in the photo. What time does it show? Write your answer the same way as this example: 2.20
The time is 7.20
